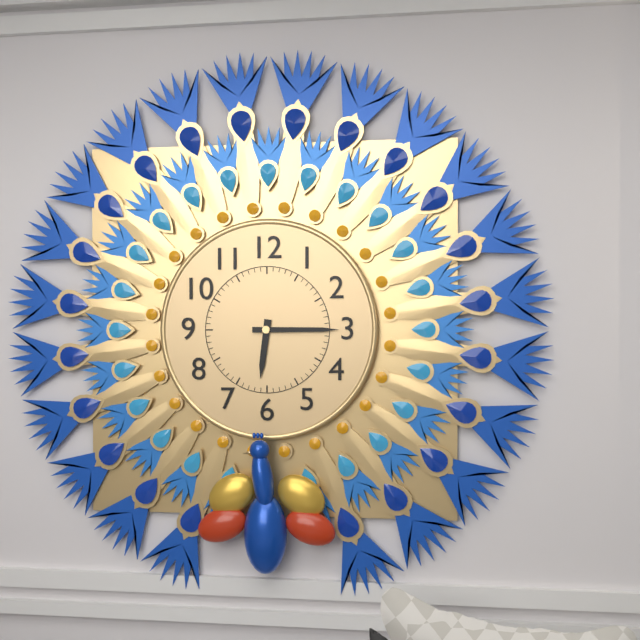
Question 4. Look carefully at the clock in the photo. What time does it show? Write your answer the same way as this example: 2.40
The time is 6.15
